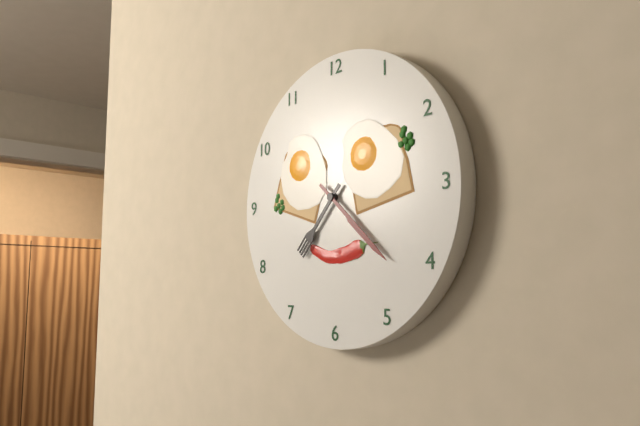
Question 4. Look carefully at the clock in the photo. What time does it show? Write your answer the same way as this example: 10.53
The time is 7.22
